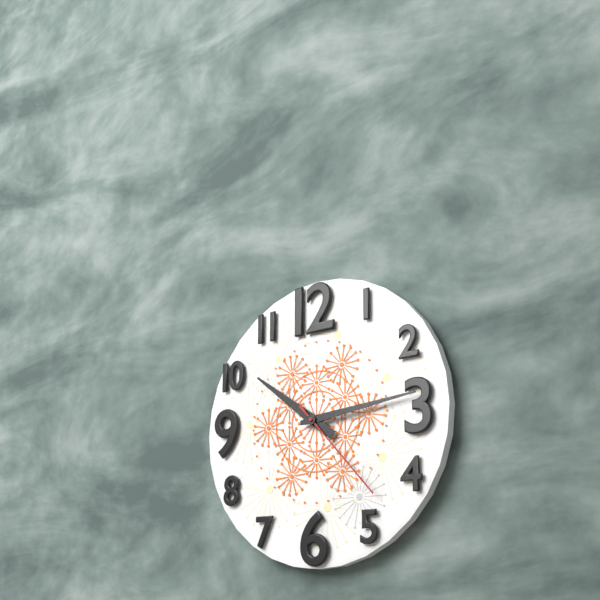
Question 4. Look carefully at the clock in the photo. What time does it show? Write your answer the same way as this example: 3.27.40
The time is 10.14.23
